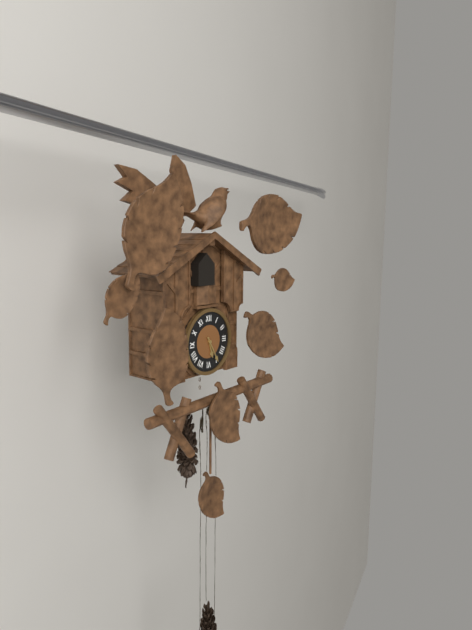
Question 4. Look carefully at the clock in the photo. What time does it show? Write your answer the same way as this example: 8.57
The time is 5.25
